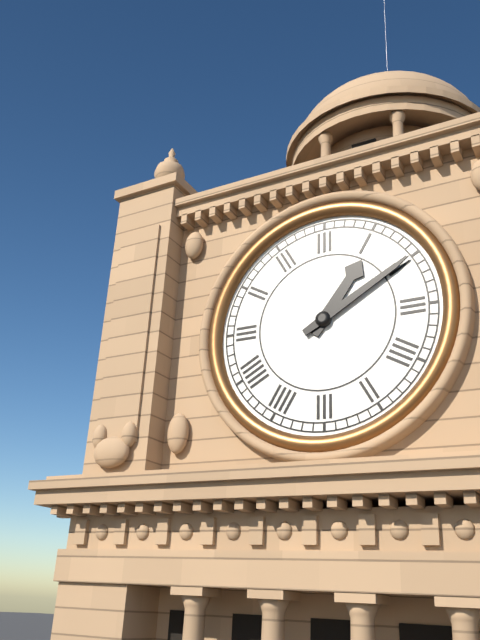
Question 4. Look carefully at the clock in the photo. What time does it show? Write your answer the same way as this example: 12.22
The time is 1.10
